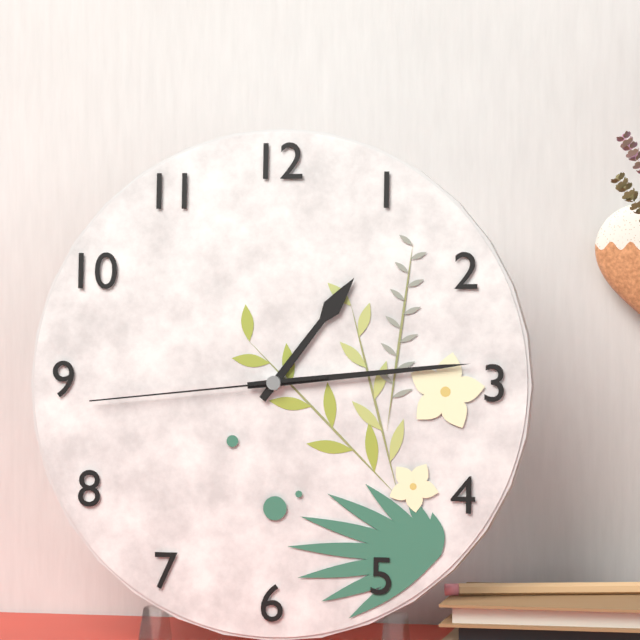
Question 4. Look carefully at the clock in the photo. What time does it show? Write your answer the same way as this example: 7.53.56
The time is 1.14.44
